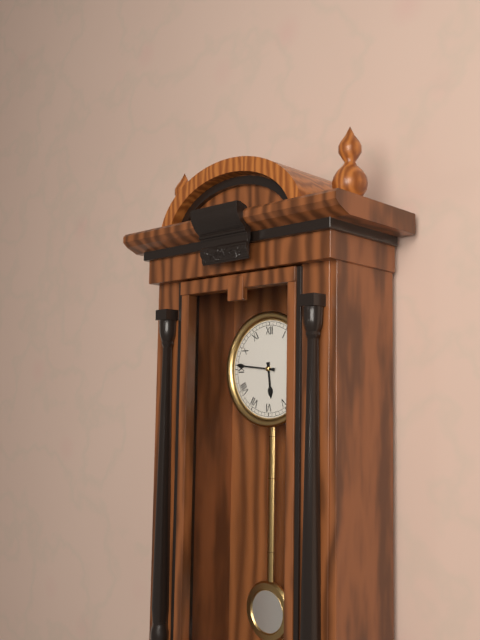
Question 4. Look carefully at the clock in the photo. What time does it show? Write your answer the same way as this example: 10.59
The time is 5.46
